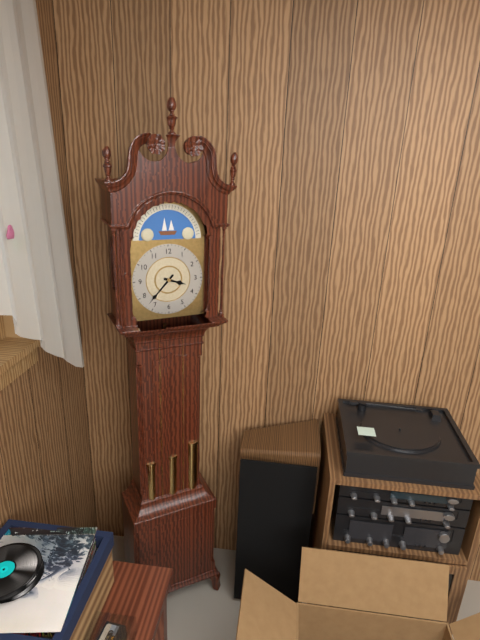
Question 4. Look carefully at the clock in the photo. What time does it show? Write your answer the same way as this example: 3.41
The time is 3.37
